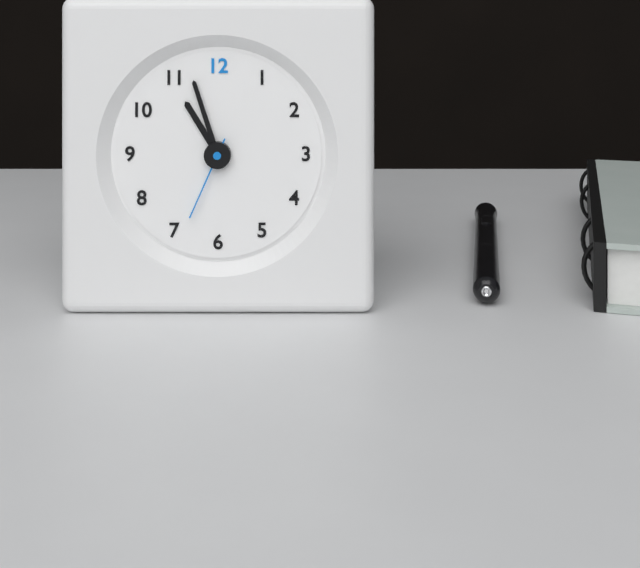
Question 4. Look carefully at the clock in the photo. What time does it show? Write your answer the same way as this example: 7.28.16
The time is 10.57.34
